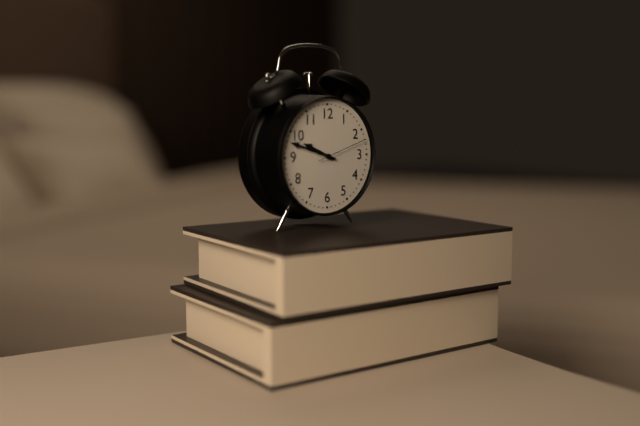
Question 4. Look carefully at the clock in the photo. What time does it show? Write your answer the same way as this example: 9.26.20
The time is 9.48.12
